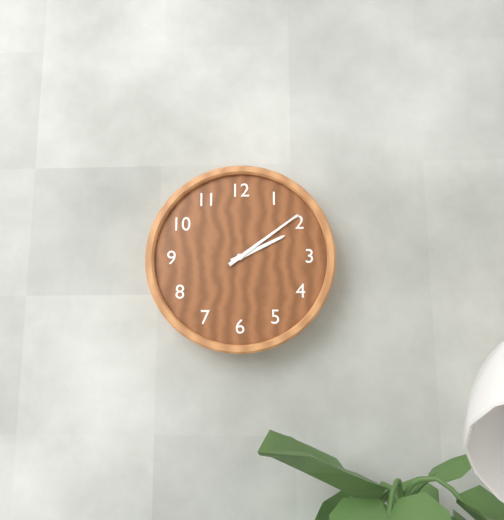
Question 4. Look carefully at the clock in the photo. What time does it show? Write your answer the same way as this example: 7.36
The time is 2.09
